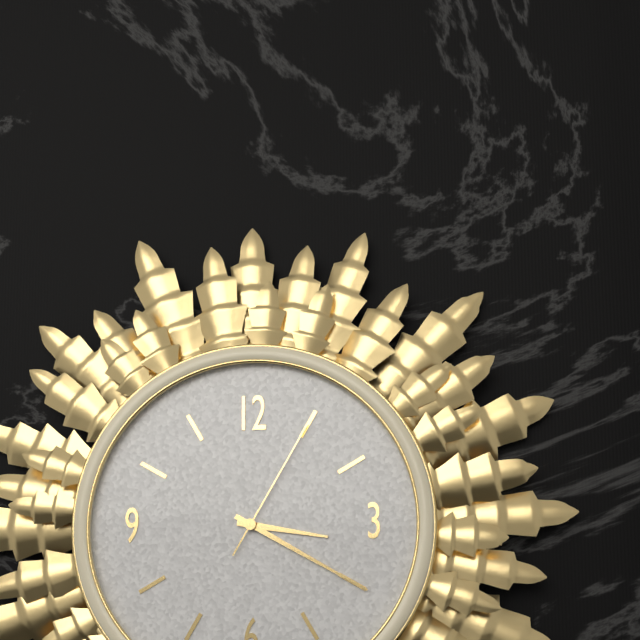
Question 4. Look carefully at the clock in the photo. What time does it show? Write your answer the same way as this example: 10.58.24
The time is 3.20.05
